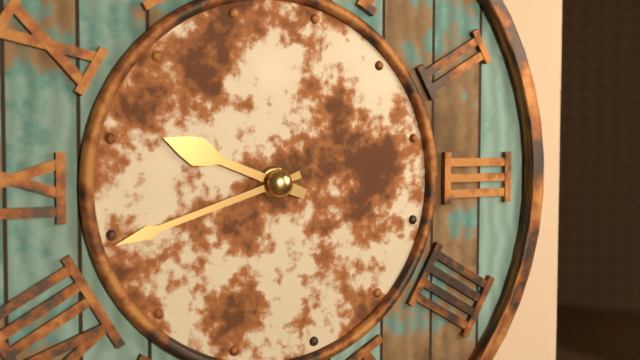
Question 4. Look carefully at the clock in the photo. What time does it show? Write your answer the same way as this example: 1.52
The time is 9.42
